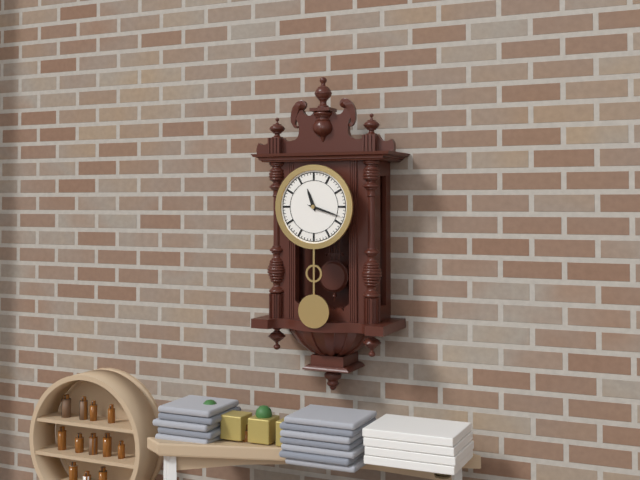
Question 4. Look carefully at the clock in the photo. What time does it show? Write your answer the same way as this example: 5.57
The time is 11.18
